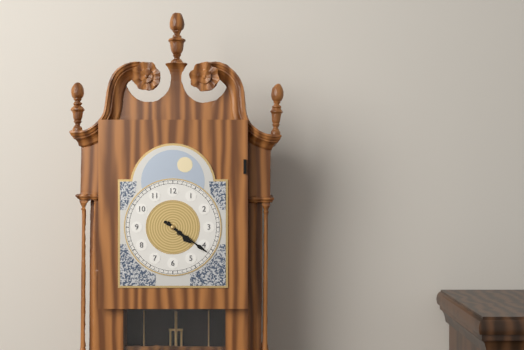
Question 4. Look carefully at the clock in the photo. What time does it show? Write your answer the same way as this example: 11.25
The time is 4.21
